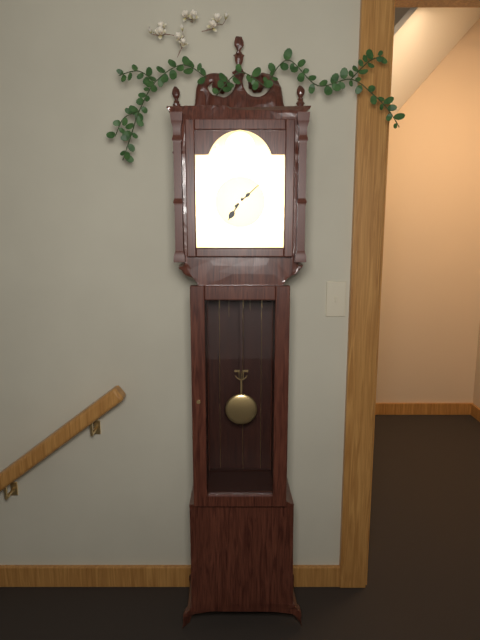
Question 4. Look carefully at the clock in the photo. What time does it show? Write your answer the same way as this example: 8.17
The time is 7.08
